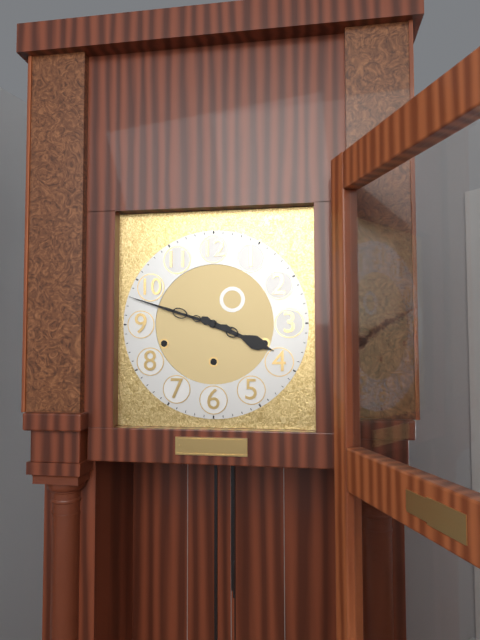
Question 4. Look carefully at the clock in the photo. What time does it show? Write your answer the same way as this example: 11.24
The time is 3.48
